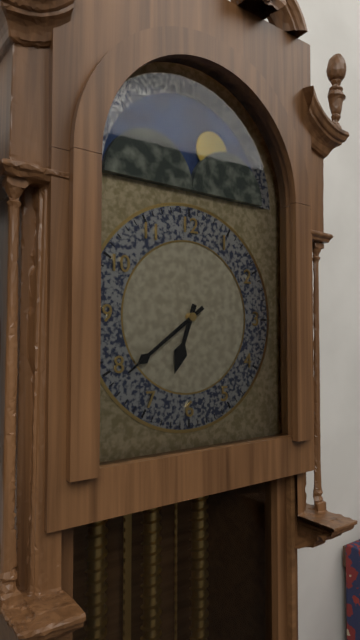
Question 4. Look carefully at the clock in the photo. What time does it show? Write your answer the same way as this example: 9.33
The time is 6.39
